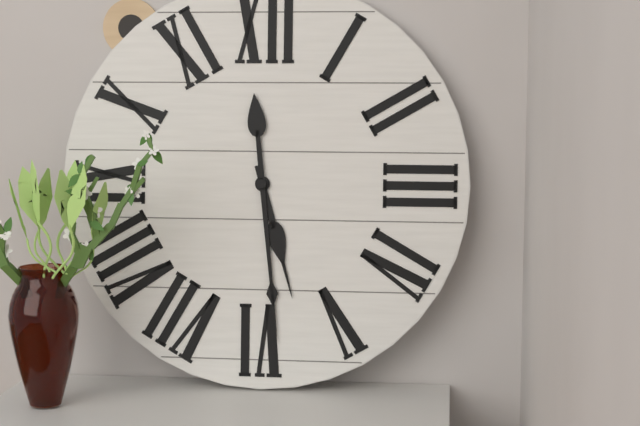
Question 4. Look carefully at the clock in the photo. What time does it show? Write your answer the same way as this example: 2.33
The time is 5.29
